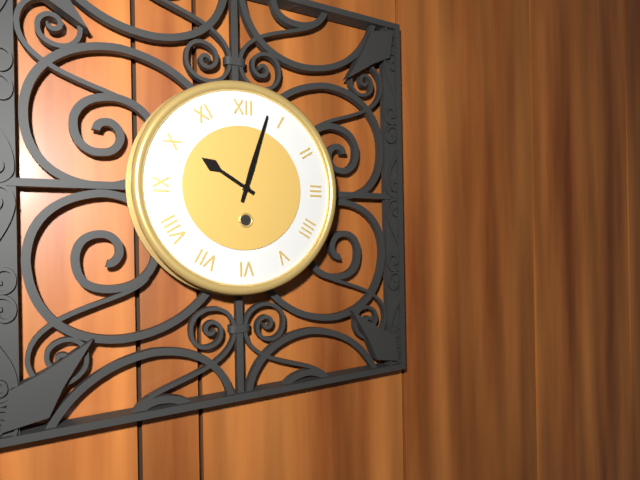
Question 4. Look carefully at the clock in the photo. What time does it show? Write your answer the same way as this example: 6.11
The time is 10.03
